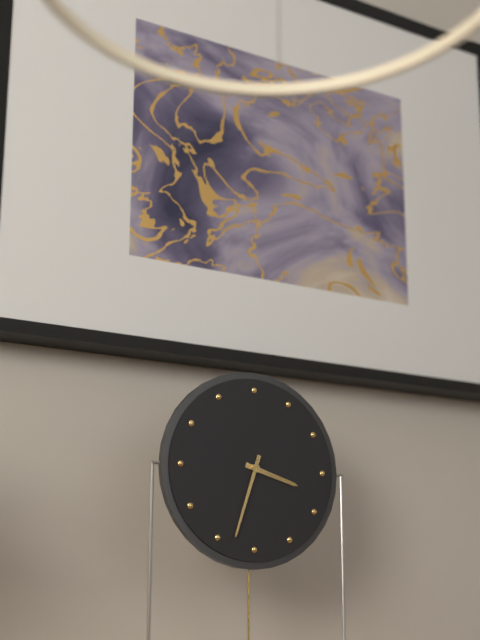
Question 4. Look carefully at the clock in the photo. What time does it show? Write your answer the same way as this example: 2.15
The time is 3.33
